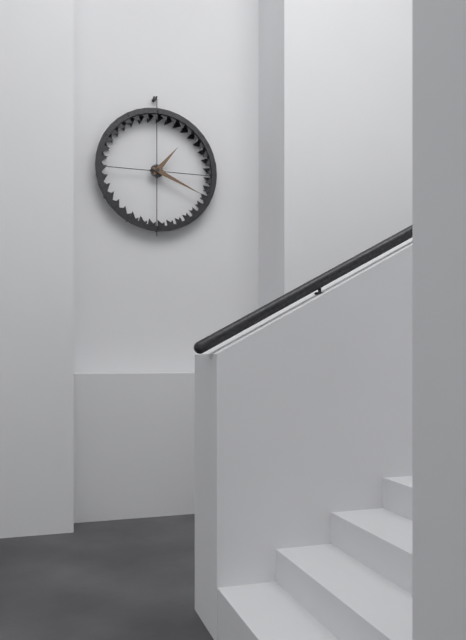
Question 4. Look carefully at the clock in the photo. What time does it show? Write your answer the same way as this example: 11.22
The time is 1.19
